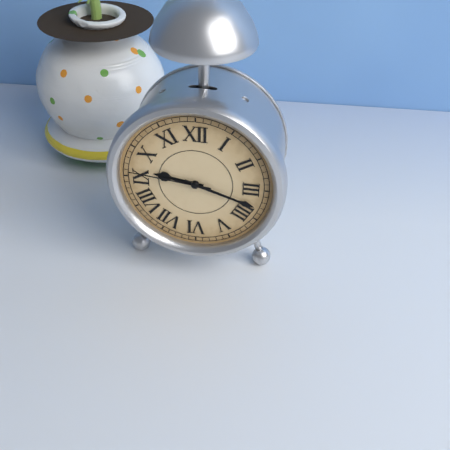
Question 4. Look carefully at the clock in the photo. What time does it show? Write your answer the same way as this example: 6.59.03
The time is 9.18.46
